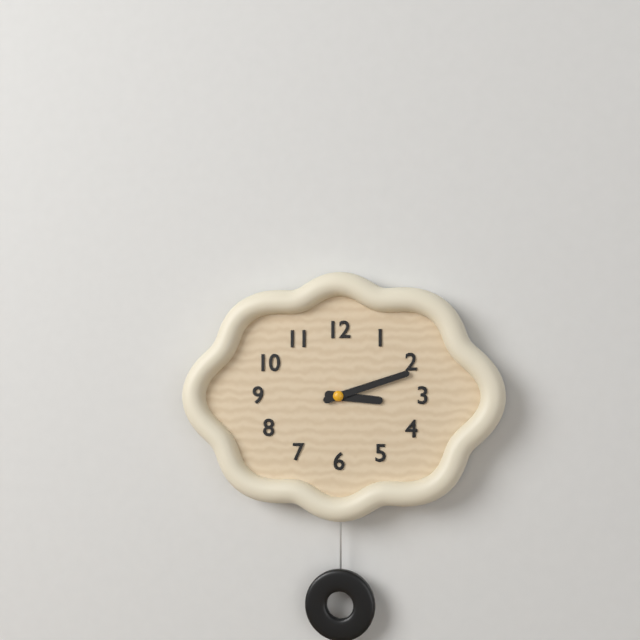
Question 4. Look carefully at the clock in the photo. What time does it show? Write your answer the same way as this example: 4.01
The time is 3.12
